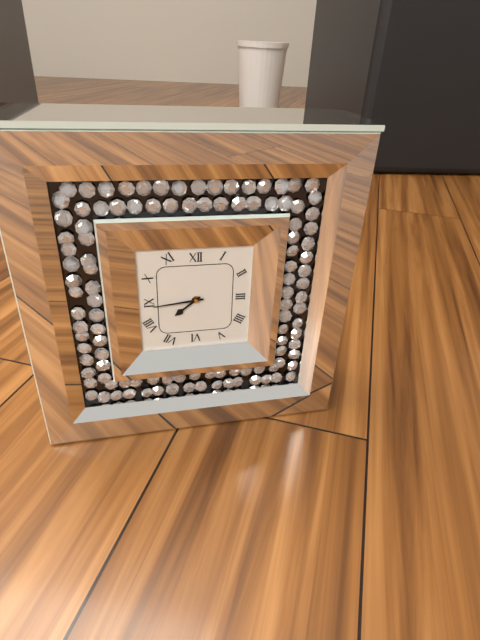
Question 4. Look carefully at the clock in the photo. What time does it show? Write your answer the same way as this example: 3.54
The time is 7.44
